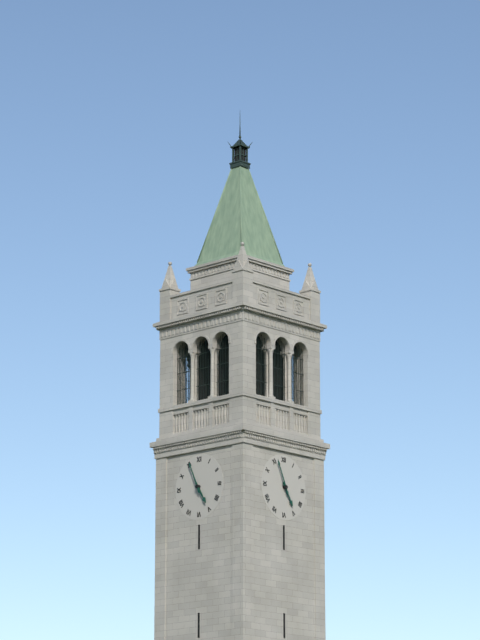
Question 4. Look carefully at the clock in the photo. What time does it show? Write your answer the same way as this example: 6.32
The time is 4.56
